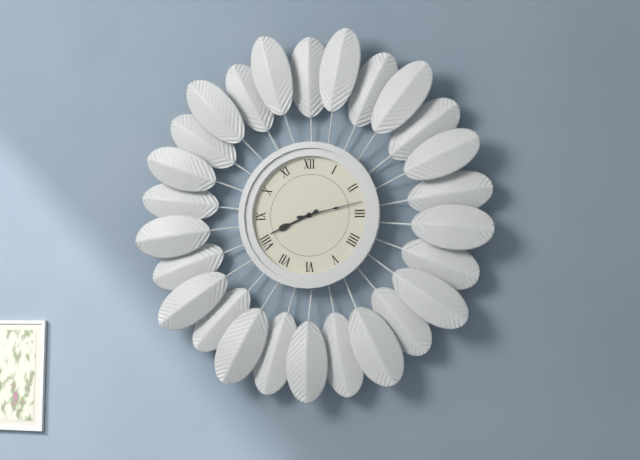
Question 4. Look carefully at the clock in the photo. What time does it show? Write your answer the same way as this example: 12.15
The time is 8.13
